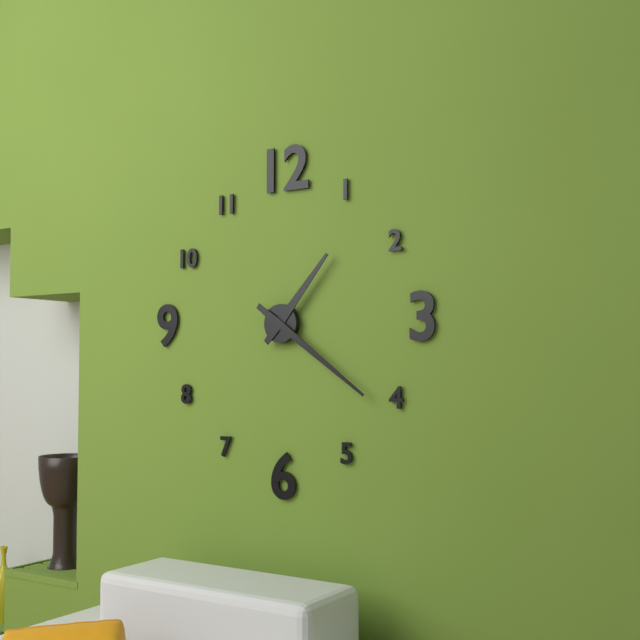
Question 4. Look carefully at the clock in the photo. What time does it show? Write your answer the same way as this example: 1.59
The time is 1.21
